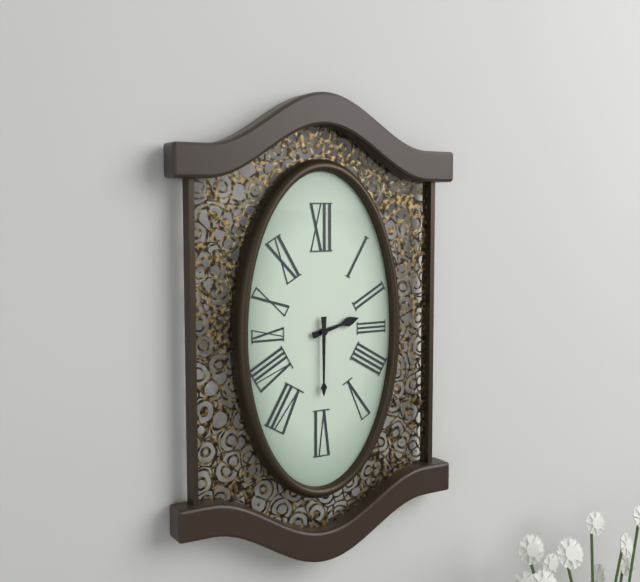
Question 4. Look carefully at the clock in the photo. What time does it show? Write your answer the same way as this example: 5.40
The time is 2.30
